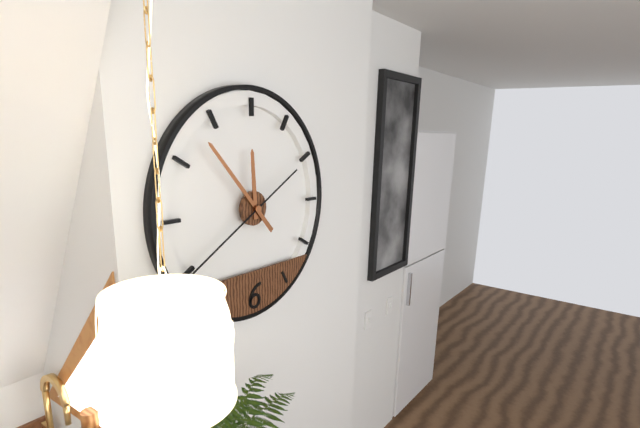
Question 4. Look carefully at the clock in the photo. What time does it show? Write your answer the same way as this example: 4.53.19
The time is 11.53.40
